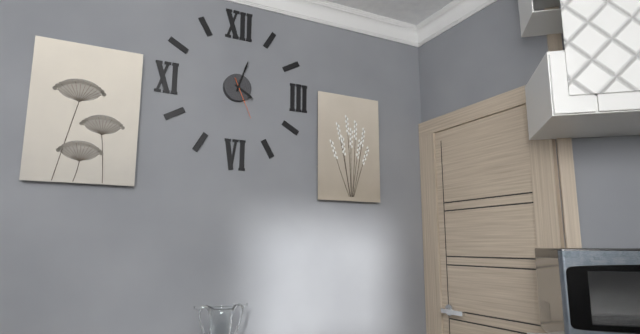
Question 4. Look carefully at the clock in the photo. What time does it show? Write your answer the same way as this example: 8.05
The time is 4.03
